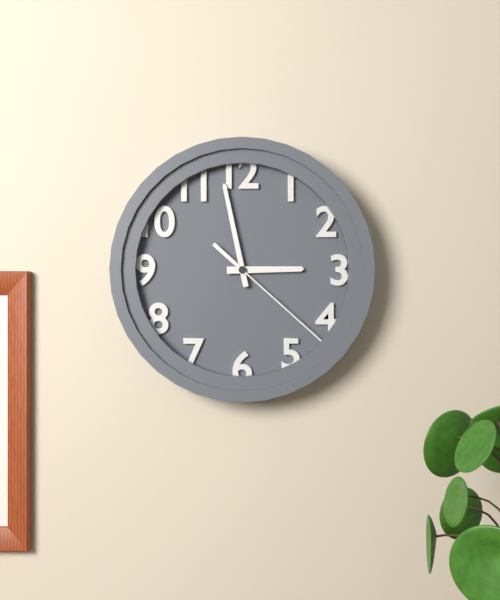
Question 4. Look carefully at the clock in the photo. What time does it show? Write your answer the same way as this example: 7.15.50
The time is 2.58.22
